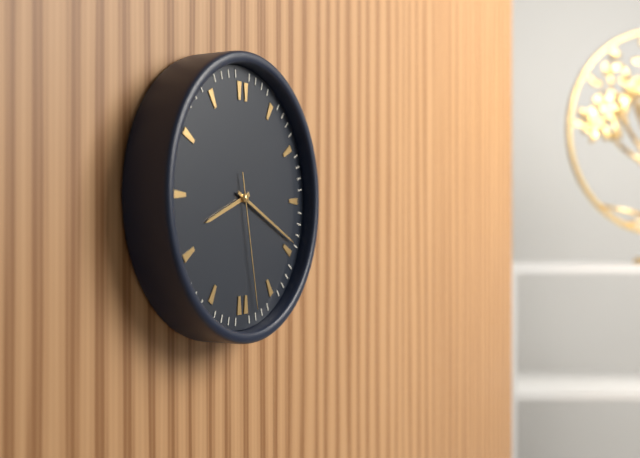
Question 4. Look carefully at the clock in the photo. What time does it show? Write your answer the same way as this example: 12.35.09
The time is 8.19.28
